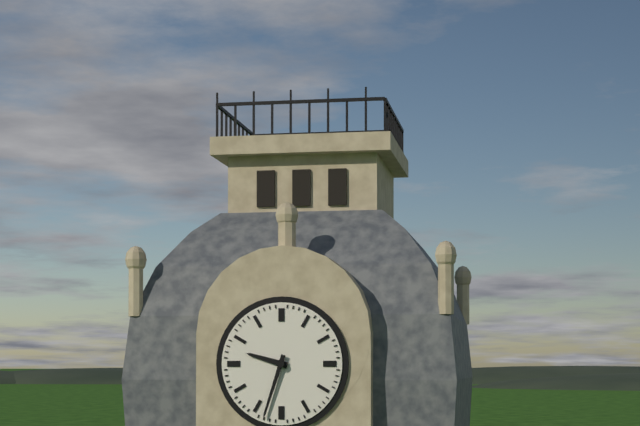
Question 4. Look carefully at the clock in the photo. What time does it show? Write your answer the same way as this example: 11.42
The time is 9.33
